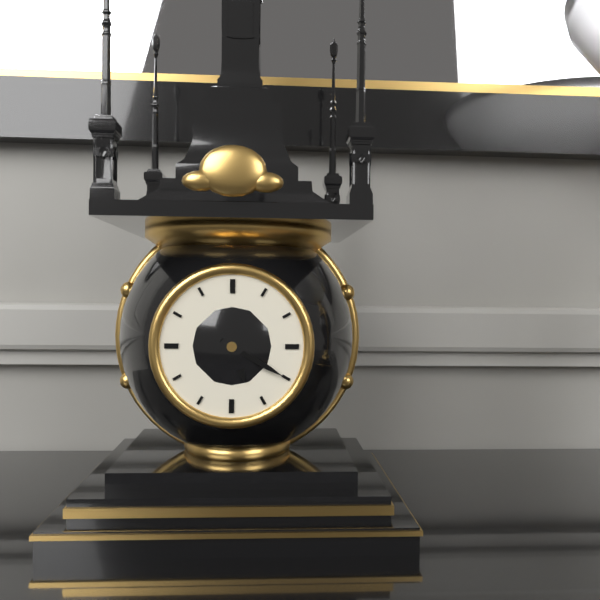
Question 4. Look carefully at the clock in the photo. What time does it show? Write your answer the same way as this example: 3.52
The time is 5.20
